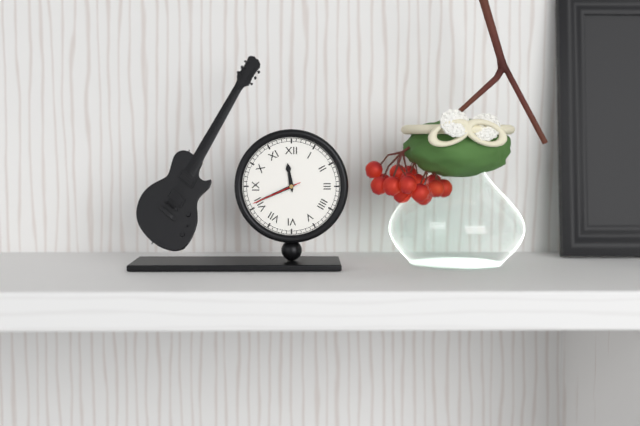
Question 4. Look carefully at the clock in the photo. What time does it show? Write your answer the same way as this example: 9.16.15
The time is 11.41.41
